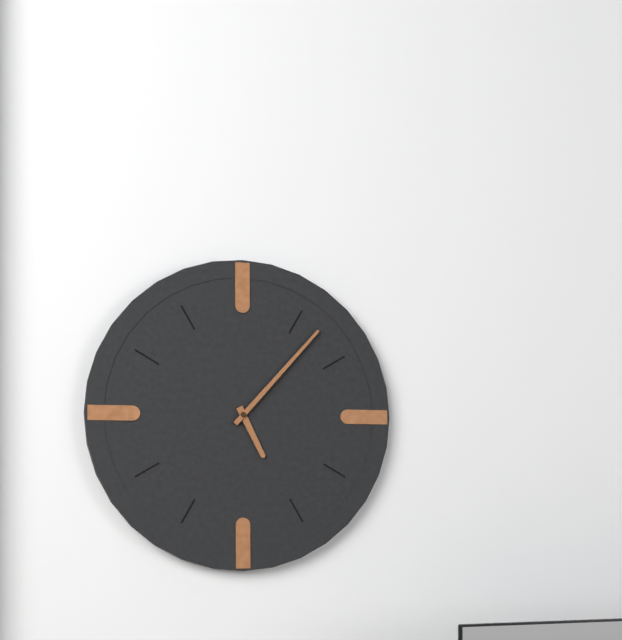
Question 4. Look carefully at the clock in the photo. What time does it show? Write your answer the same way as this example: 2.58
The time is 5.07
